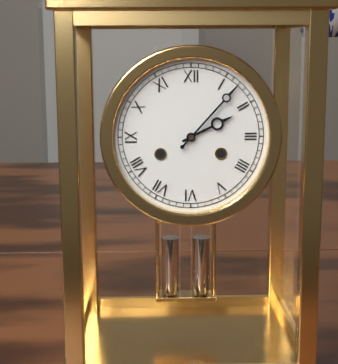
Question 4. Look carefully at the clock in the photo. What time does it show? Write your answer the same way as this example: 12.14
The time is 2.07
